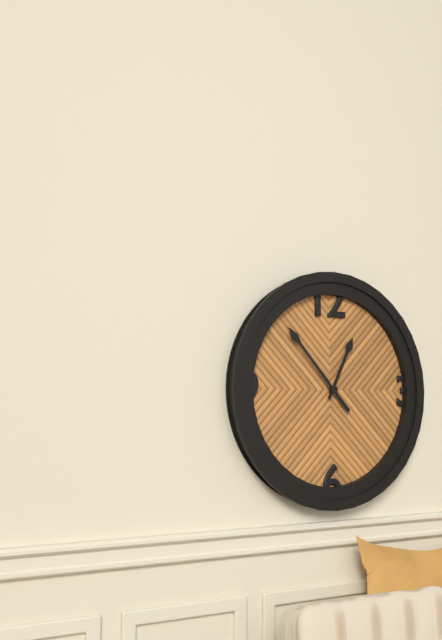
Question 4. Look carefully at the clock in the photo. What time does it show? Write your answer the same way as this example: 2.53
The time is 12.53
